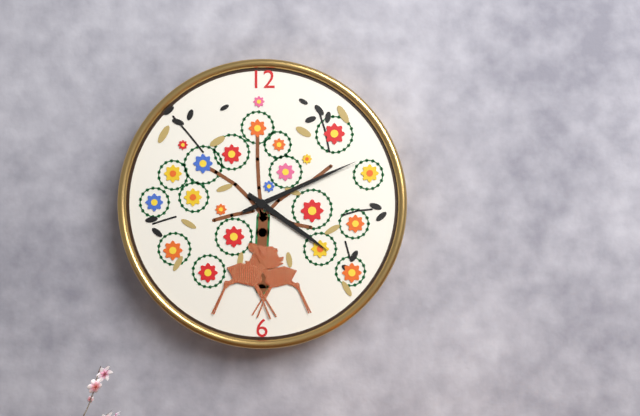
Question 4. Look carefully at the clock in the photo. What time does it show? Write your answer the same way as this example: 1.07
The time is 4.11
